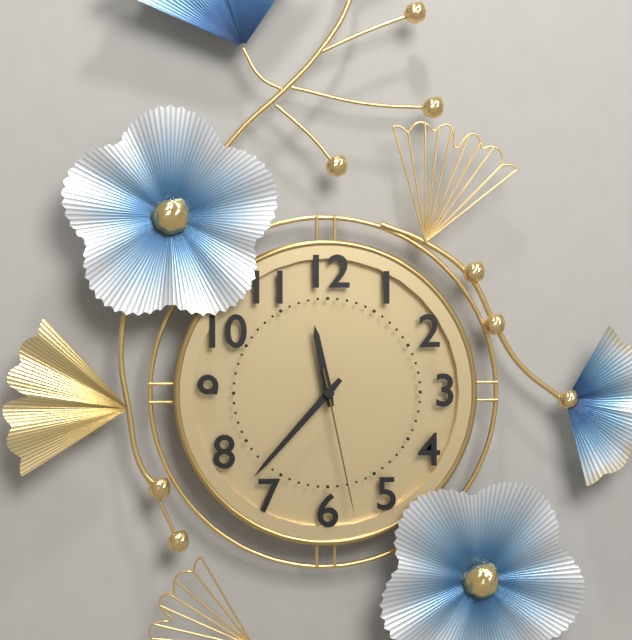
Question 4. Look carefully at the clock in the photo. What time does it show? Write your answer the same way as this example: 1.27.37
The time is 11.37.28
